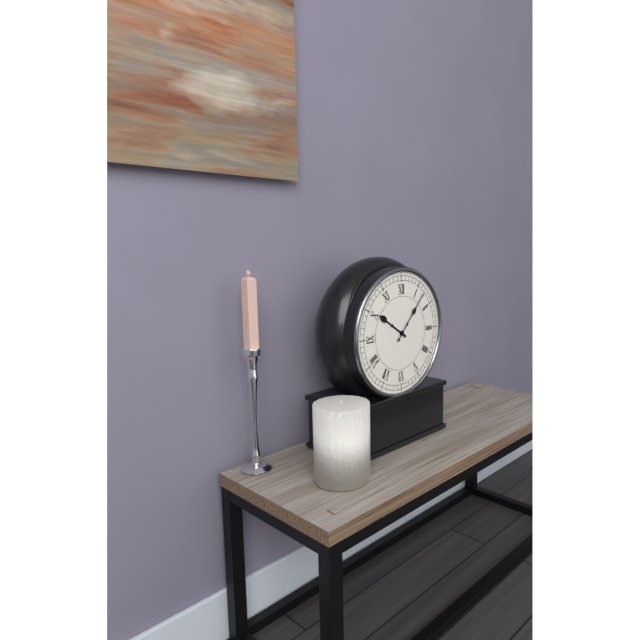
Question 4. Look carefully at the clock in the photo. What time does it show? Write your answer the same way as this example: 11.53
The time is 10.07
